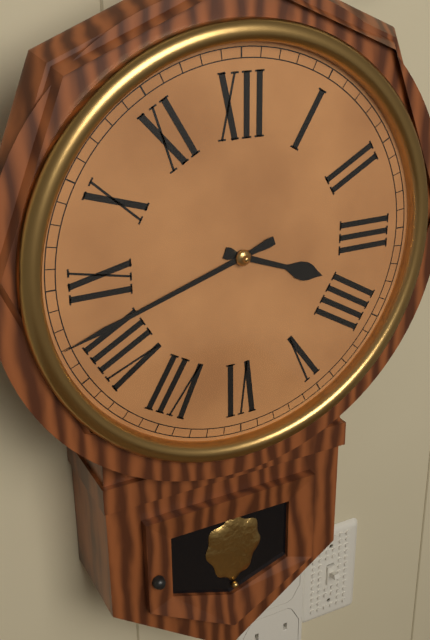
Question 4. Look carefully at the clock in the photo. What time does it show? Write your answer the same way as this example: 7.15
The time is 3.42
